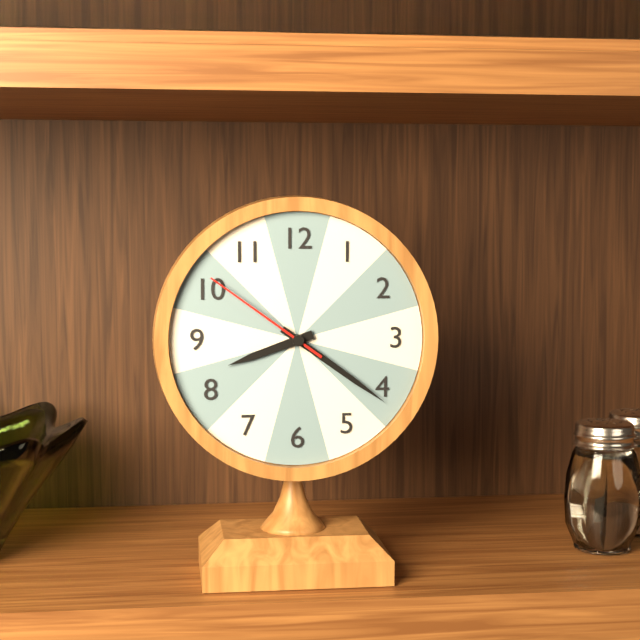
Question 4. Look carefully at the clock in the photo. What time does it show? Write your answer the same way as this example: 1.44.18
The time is 8.21.51
